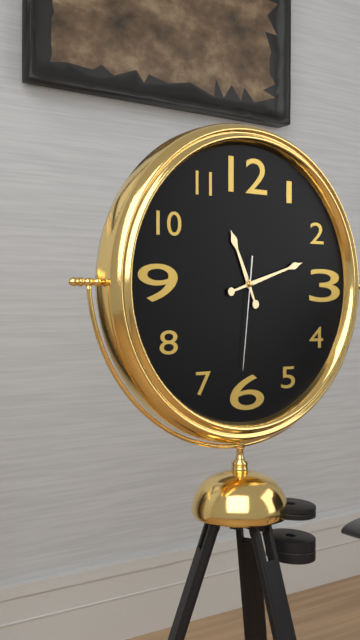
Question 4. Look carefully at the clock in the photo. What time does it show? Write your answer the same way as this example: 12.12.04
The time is 11.12.31
